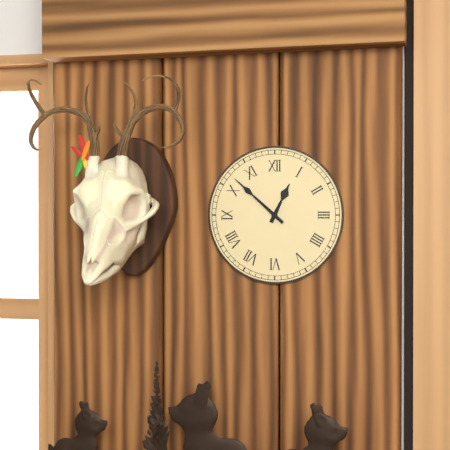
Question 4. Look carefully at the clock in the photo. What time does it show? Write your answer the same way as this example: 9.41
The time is 12.52
